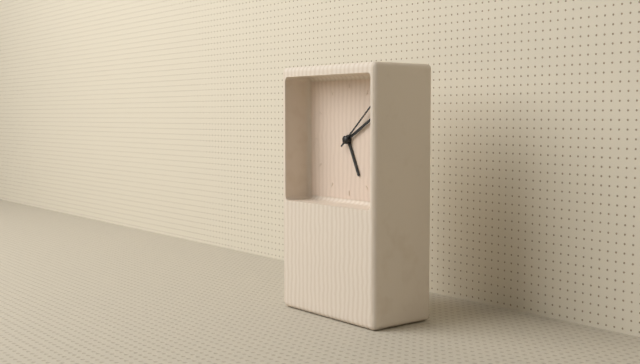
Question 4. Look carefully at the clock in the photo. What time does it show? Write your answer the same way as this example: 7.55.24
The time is 5.10.08
